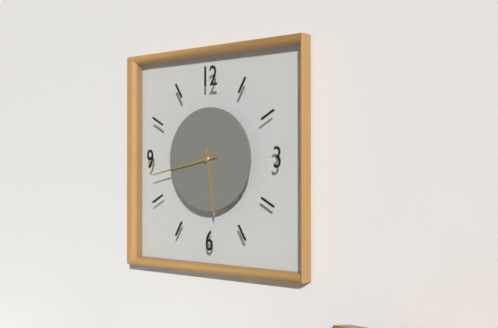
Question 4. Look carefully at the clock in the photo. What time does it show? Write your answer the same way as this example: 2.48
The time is 5.43
